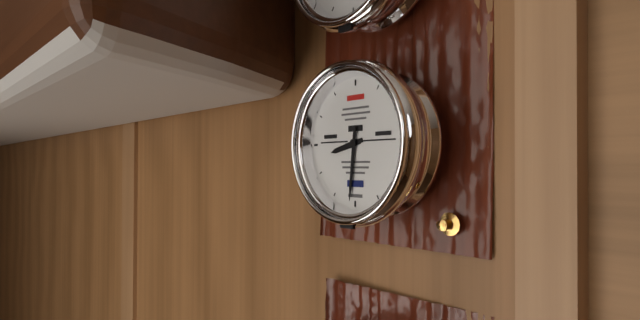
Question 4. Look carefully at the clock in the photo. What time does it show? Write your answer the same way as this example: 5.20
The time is 8.31
